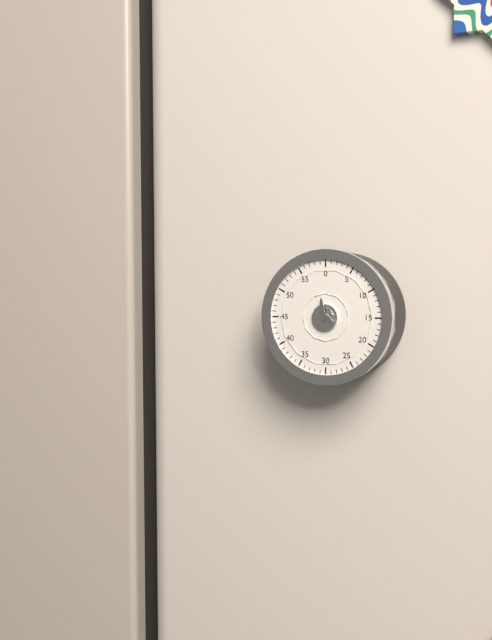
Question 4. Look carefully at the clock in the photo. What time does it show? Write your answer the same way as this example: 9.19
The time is 3.59
